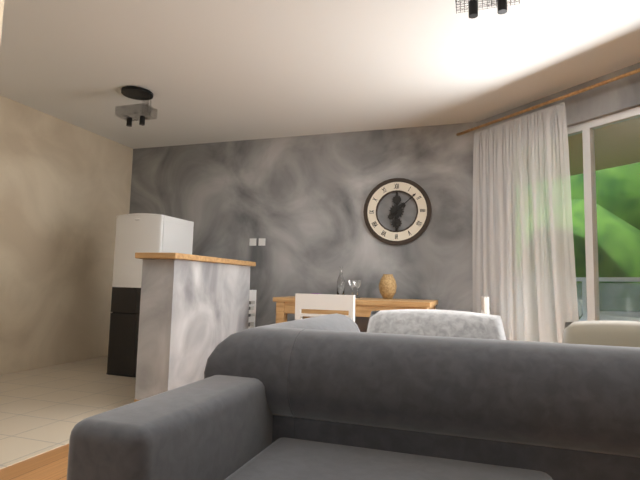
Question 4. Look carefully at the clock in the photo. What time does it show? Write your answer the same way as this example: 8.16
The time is 6.08
